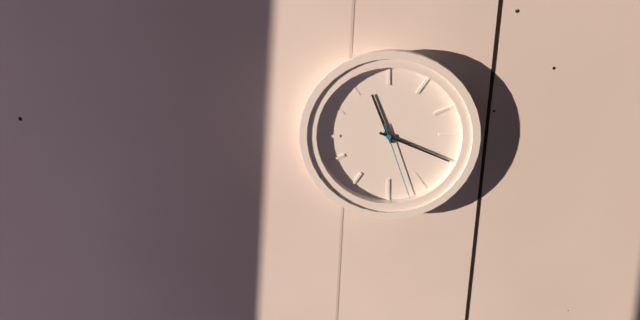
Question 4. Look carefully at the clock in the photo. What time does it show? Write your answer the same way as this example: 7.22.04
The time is 11.19.27
